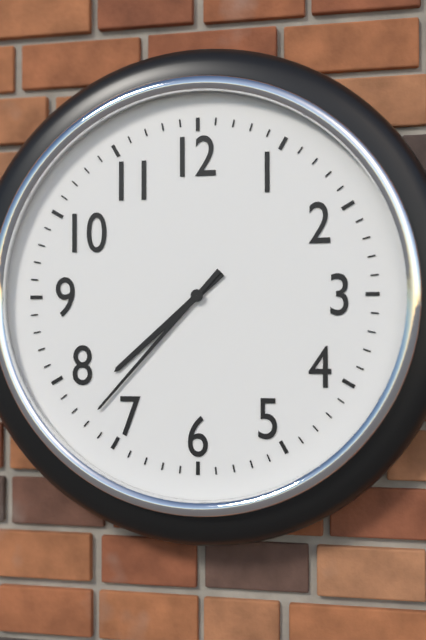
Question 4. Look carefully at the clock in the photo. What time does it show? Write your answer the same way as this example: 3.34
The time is 7.37
